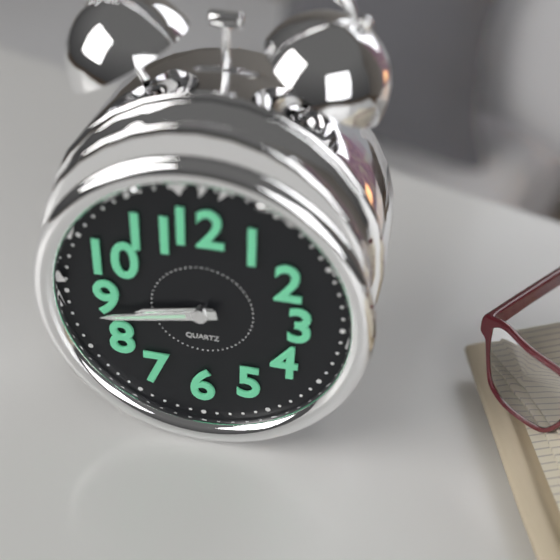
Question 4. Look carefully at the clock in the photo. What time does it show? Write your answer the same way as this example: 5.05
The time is 8.43
